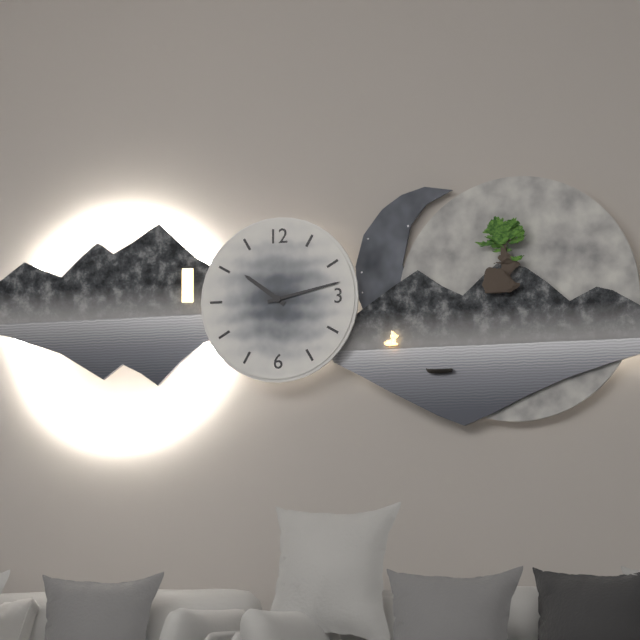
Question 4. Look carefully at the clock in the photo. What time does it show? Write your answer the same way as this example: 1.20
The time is 10.13
